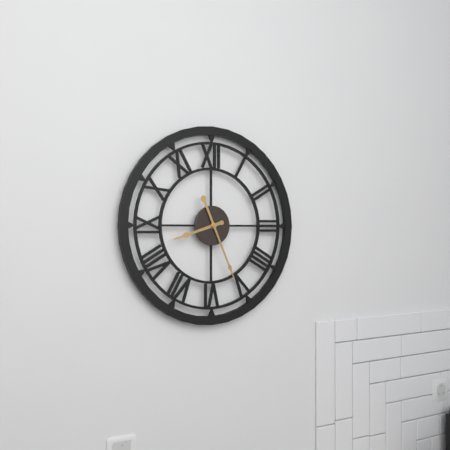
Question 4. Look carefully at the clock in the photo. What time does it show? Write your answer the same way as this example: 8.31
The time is 8.26
